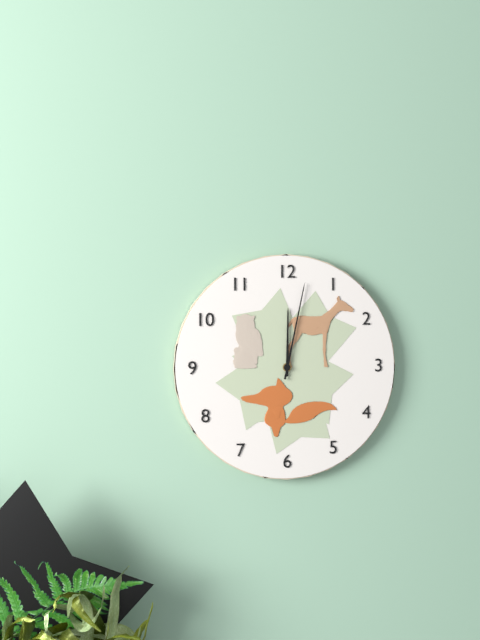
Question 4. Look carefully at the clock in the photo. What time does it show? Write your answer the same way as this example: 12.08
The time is 12.02
